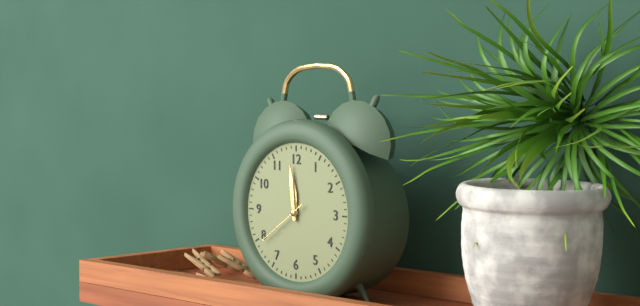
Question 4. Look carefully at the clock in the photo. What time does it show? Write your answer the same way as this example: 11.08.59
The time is 11.59.39
